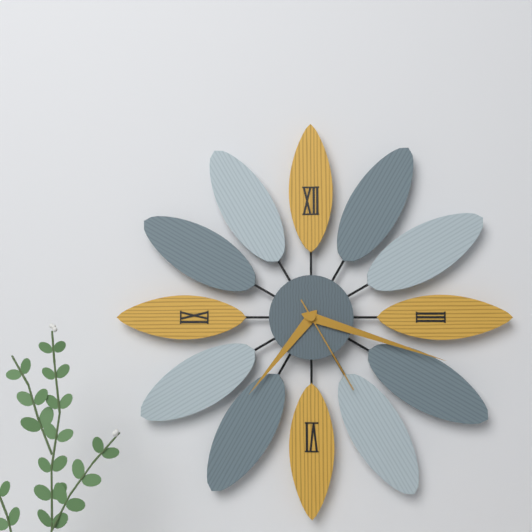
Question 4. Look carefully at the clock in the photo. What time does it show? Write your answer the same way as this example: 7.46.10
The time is 7.18.25
